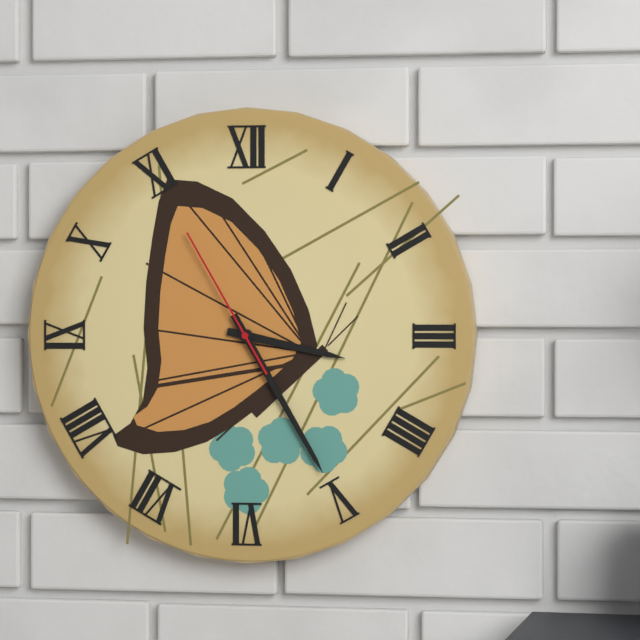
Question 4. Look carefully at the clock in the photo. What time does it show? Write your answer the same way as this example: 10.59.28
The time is 3.25.55
